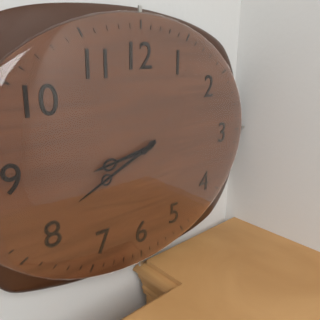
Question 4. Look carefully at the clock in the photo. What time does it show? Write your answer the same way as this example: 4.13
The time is 8.41
